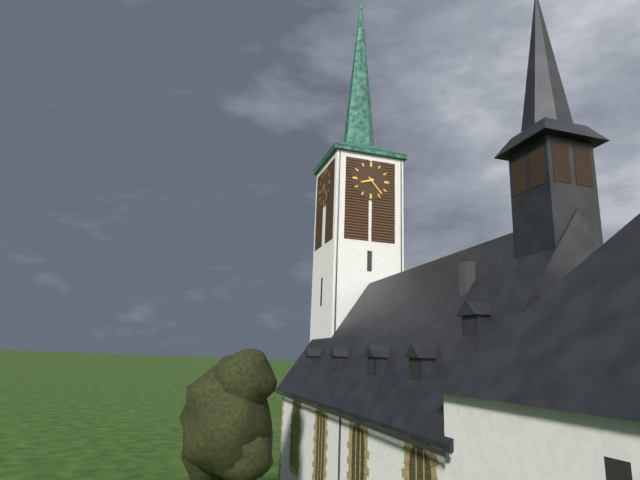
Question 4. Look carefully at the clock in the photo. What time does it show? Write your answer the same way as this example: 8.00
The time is 8.23
